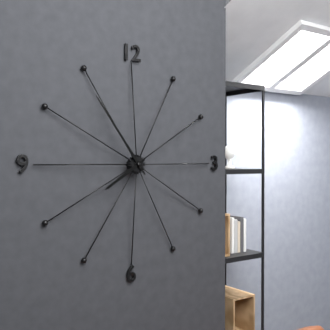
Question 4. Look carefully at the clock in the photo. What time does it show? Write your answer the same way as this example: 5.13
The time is 7.54
